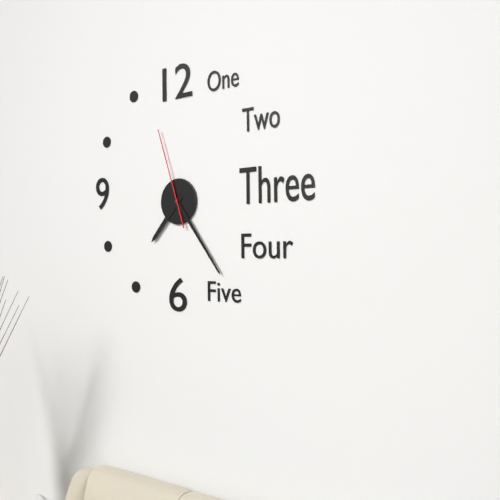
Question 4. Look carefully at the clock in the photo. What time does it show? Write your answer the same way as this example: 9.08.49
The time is 7.24.57
